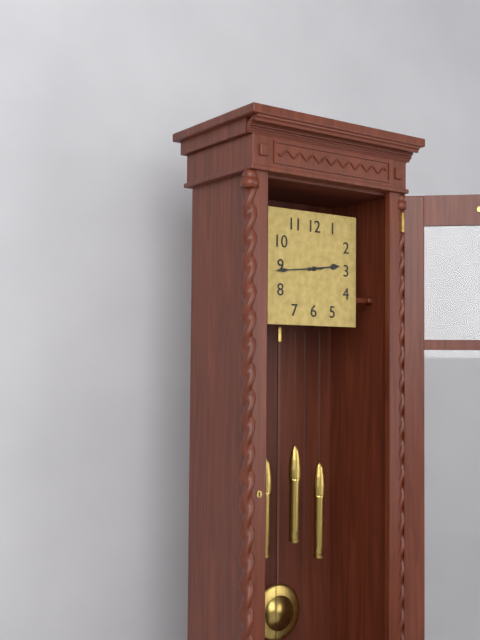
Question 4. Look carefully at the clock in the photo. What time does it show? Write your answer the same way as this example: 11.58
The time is 2.44
